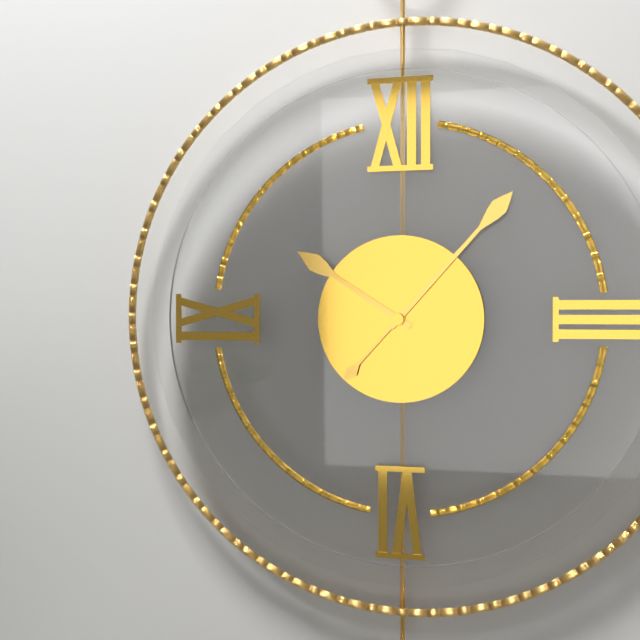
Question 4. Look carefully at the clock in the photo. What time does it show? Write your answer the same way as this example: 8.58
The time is 10.07
